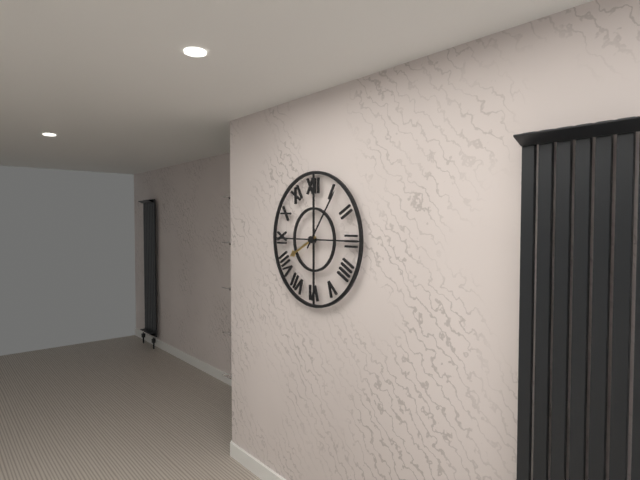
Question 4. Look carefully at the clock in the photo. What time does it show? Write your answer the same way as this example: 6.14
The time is 8.06
